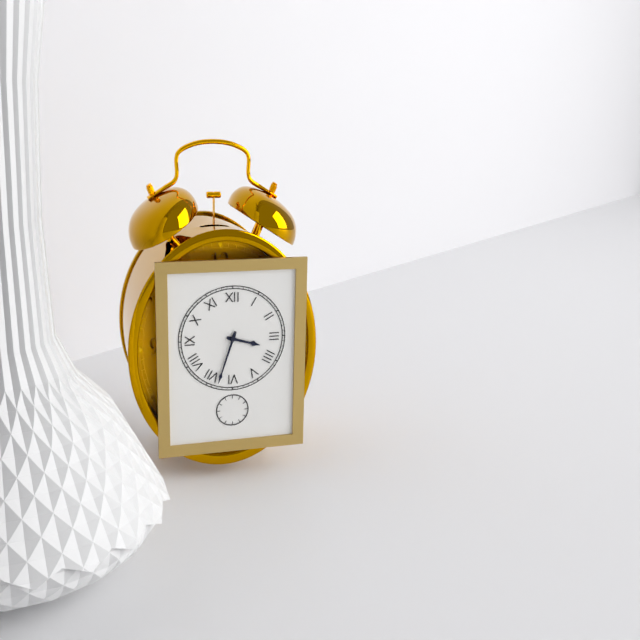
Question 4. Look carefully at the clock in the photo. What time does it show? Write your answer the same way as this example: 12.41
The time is 3.33
